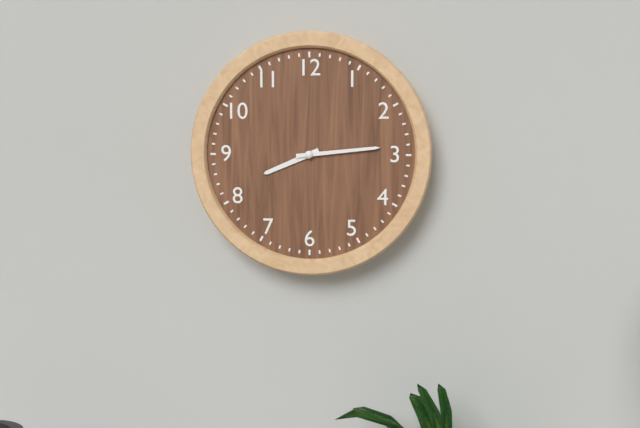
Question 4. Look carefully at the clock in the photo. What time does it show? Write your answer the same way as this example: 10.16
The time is 8.14
